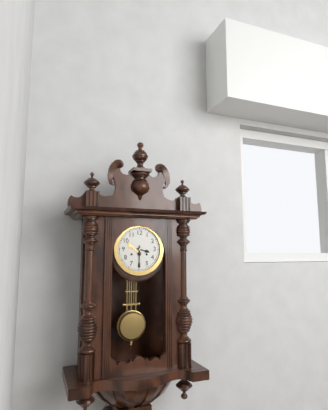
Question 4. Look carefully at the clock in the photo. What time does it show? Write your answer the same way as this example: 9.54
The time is 3.30
